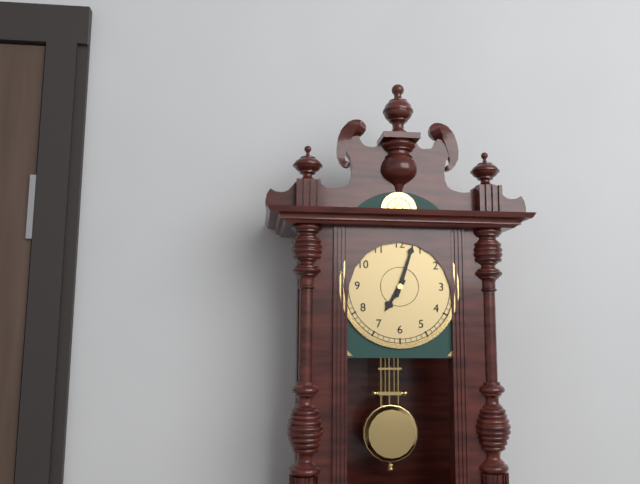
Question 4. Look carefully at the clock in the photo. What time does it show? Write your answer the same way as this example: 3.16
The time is 7.03
